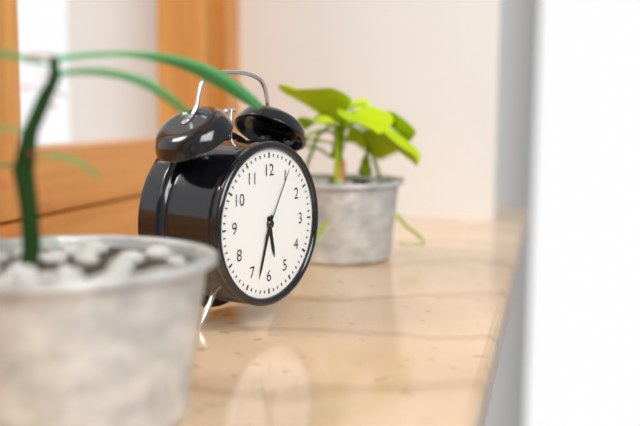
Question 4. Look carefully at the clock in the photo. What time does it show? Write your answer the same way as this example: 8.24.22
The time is 5.33.05
